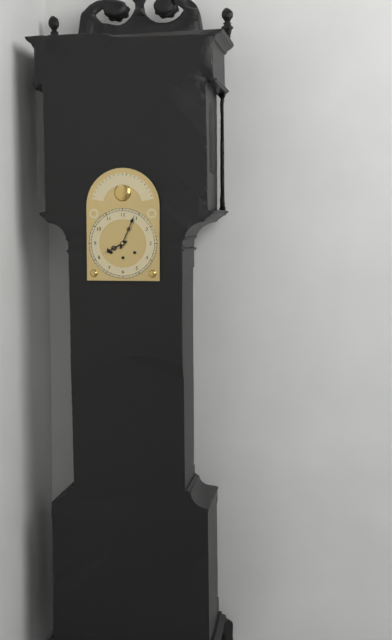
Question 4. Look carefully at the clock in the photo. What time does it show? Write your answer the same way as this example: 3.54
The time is 8.04
